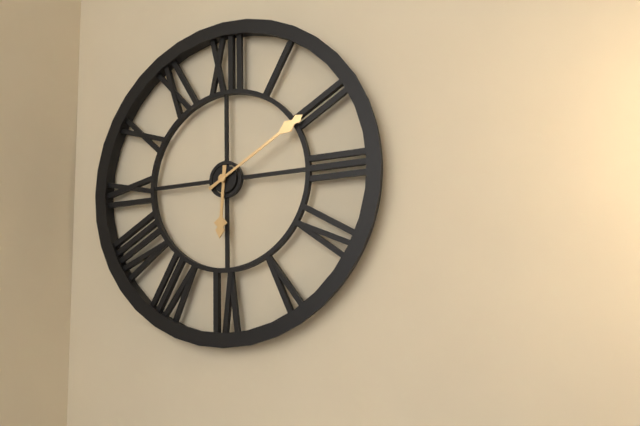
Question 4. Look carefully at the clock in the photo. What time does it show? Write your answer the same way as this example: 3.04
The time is 6.10
